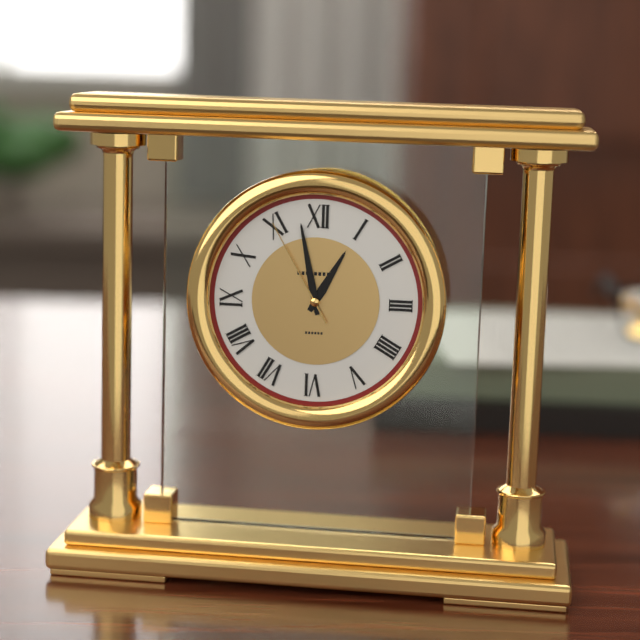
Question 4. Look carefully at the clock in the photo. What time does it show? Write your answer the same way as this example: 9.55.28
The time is 12.58.55
